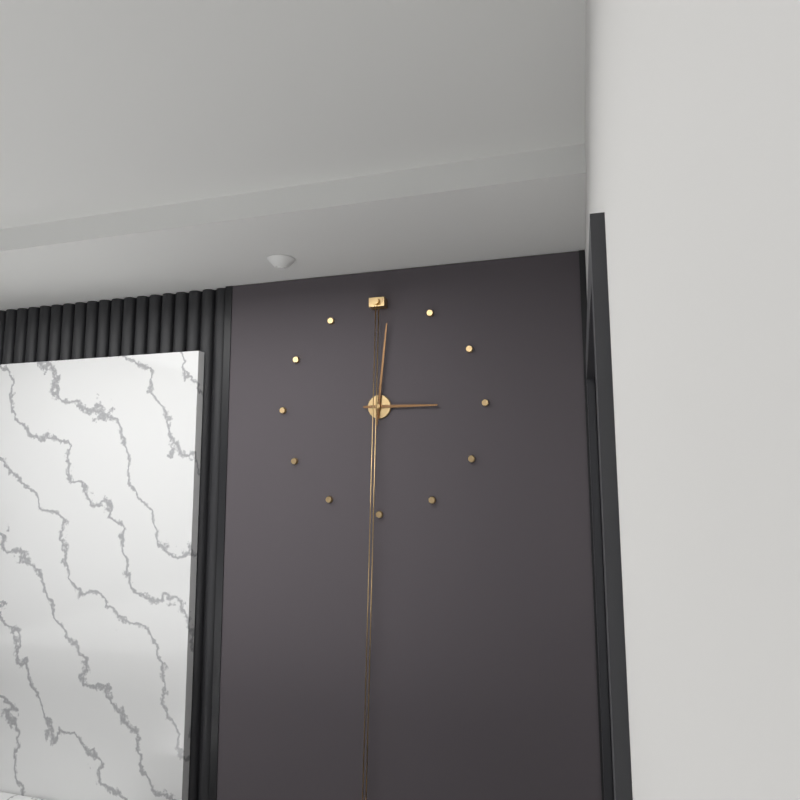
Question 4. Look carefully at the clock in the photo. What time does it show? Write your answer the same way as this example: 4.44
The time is 3.01
